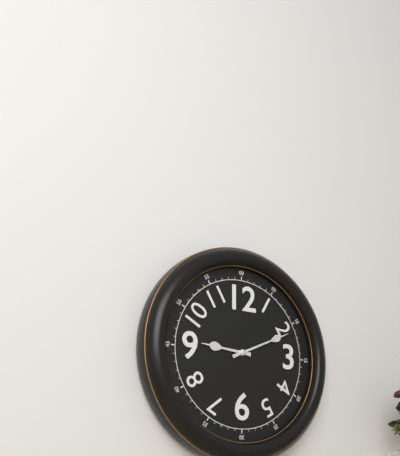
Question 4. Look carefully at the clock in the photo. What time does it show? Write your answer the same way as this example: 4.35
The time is 9.11
